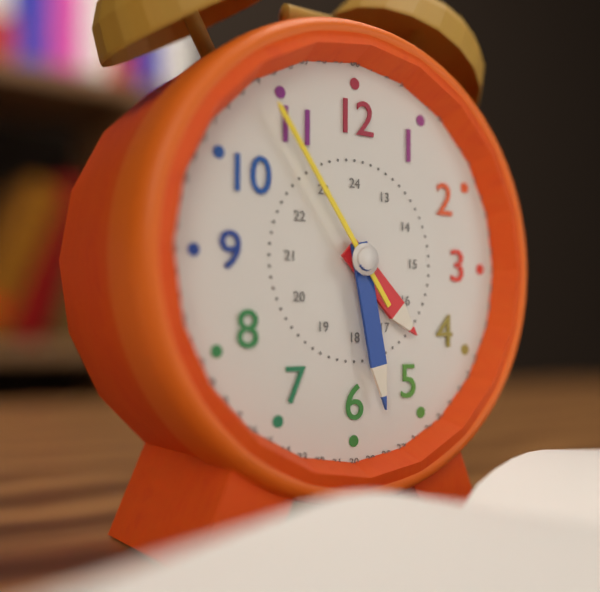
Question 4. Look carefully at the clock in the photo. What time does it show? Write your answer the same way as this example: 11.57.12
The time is 4.28.54
